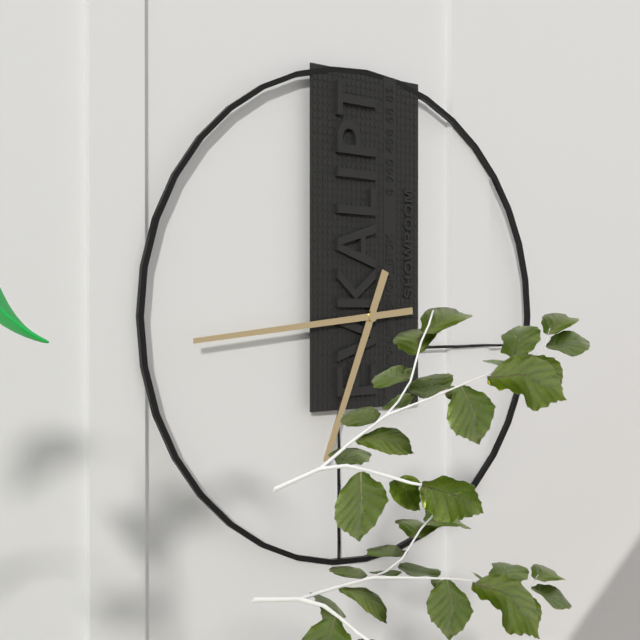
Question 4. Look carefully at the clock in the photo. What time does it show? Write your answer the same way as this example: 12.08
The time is 6.44
